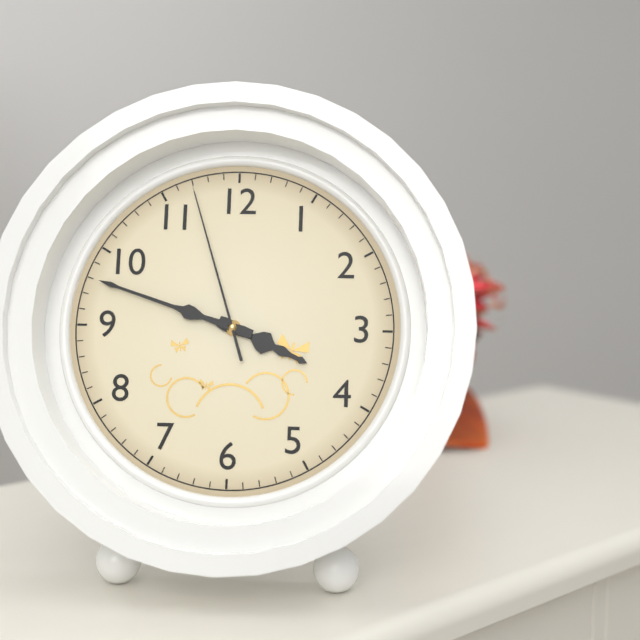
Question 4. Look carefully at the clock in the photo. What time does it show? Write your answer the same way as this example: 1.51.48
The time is 3.48.57
